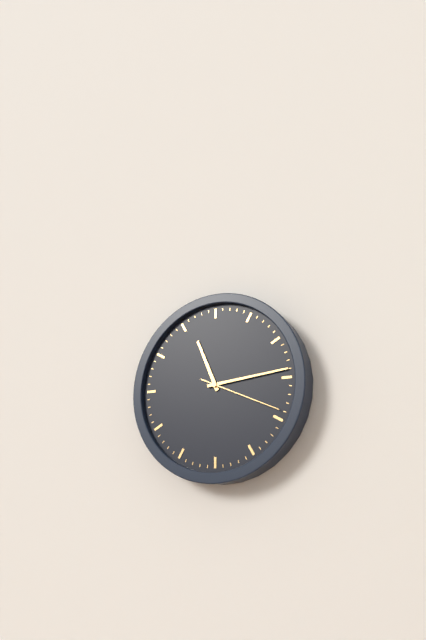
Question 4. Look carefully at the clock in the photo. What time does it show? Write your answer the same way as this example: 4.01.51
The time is 11.14.19
